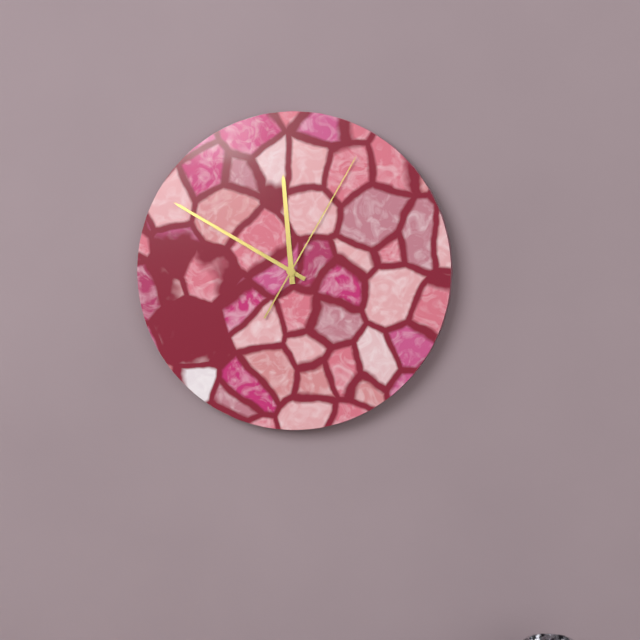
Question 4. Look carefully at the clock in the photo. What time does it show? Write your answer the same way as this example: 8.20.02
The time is 11.50.05
